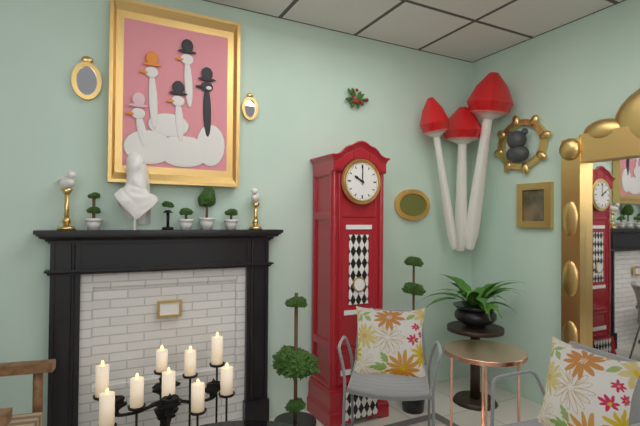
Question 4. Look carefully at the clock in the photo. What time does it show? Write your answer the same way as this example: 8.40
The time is 10.00
